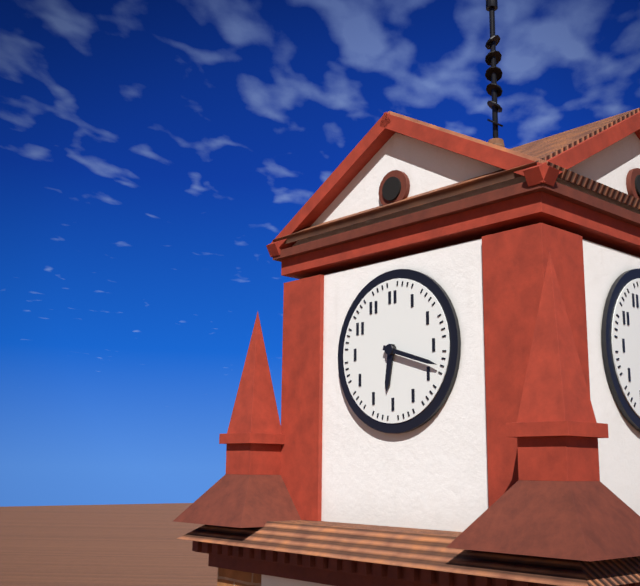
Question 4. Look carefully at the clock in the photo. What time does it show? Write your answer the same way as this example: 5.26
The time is 6.18
